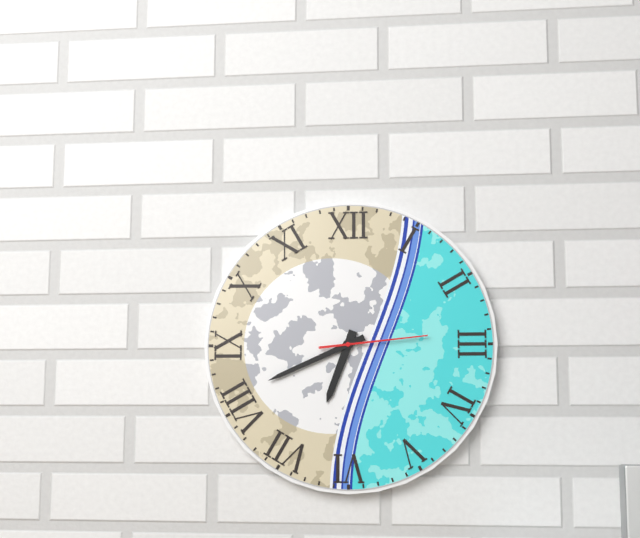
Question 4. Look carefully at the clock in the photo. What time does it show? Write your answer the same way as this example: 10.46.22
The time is 6.41.14
